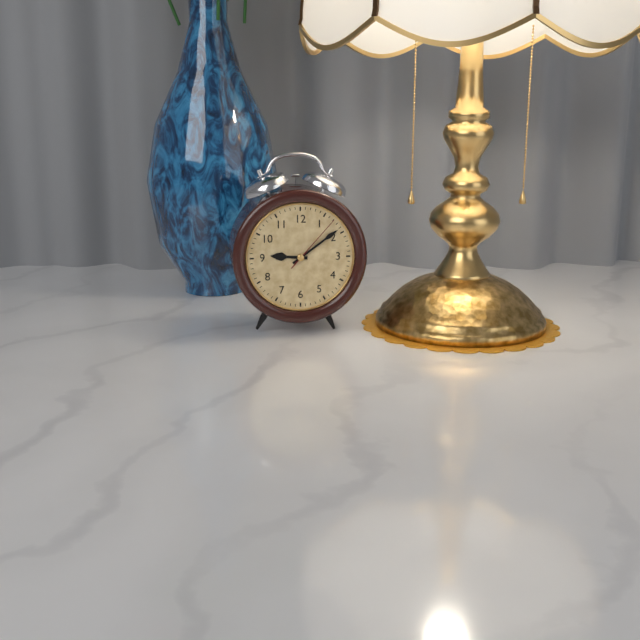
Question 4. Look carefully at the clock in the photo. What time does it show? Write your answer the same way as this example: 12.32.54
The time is 9.09.07
